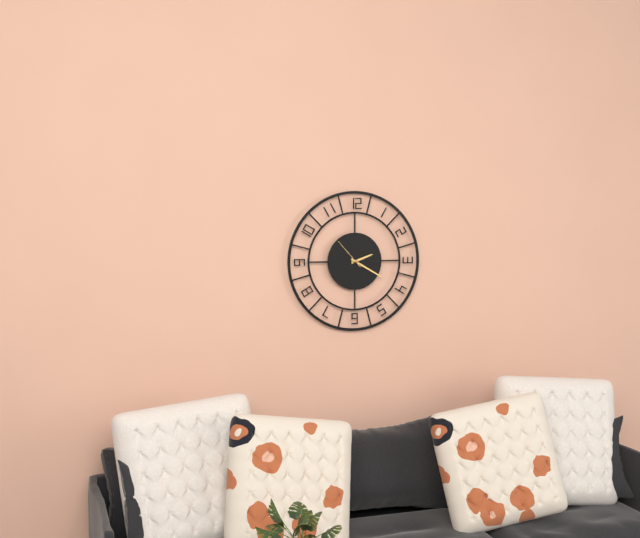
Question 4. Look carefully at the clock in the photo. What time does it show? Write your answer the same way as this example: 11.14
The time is 2.20
